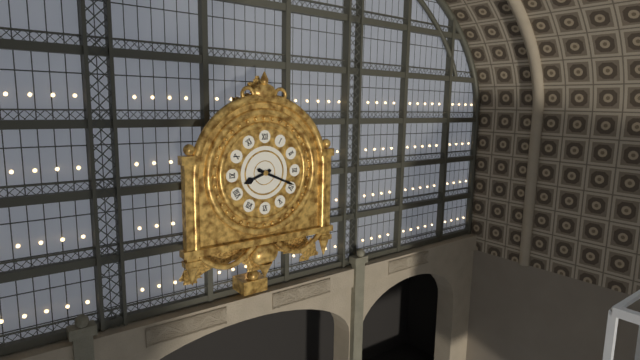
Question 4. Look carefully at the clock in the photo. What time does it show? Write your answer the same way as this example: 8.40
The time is 8.19
